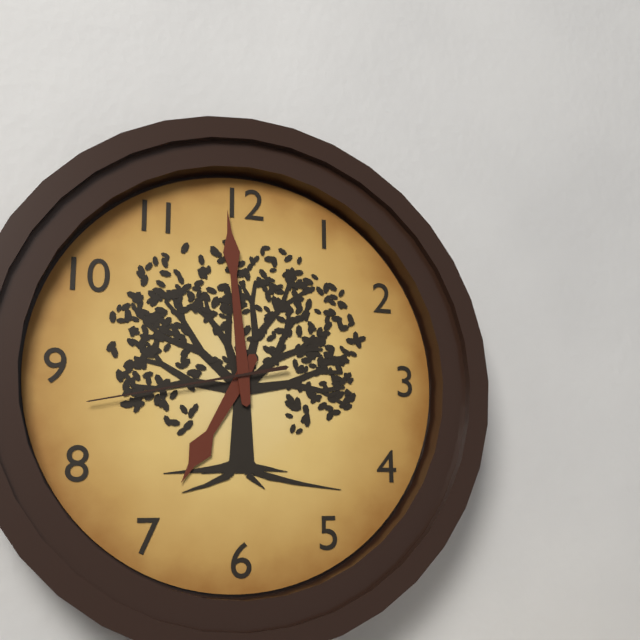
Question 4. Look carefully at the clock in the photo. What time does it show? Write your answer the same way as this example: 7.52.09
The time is 6.59.43
